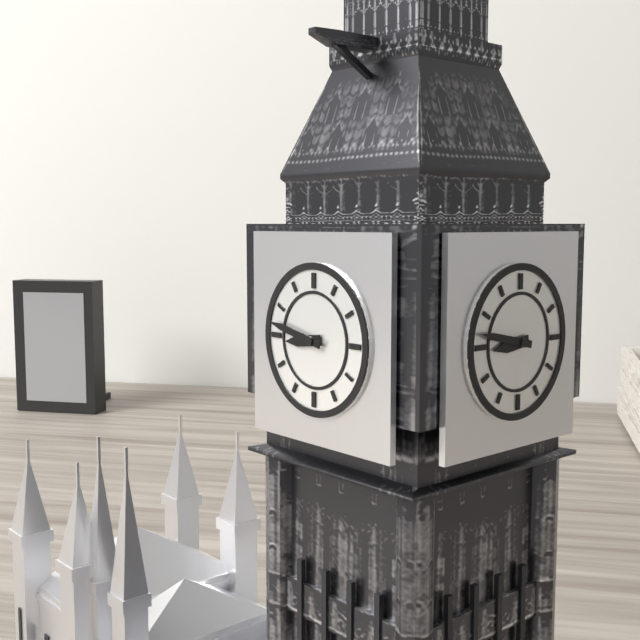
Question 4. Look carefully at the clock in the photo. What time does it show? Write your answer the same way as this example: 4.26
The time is 8.47
